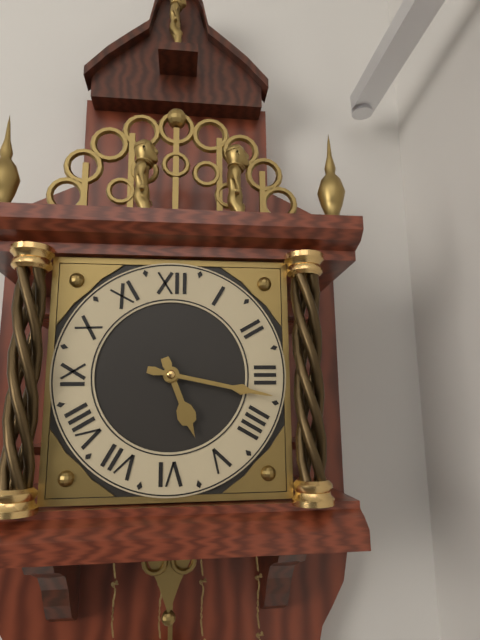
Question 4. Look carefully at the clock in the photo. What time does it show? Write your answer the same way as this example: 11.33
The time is 5.17
